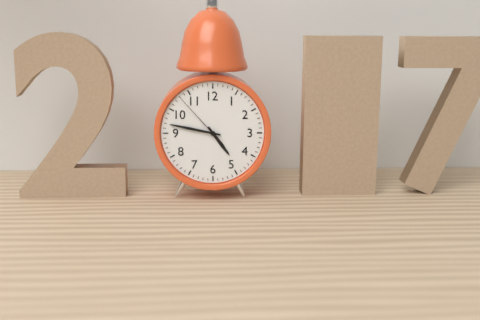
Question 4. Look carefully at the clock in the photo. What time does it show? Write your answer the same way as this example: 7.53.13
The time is 4.47.53
